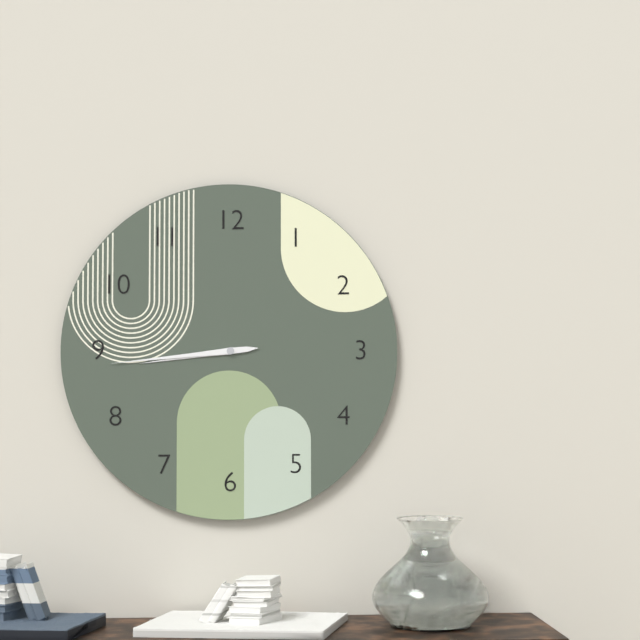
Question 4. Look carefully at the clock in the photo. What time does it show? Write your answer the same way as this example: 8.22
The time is 8.44
